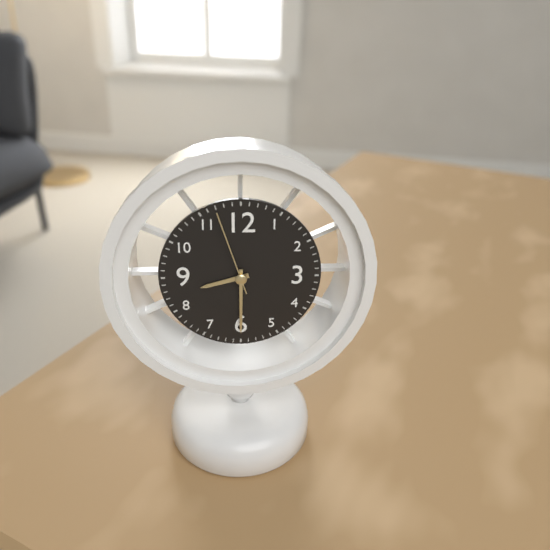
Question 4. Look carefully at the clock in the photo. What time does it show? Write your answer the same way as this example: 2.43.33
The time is 8.30.57
